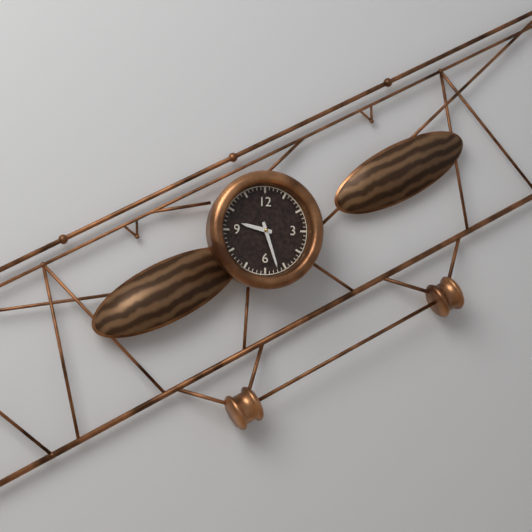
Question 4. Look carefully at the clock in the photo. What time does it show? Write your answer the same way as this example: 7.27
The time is 9.27
